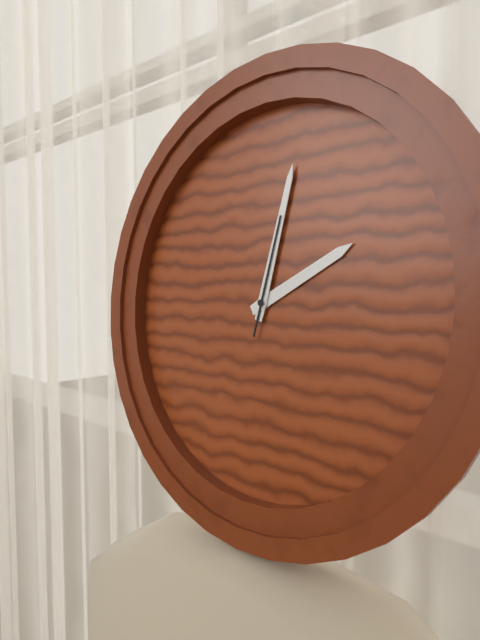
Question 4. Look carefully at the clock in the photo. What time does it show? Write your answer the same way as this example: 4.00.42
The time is 2.02.02
